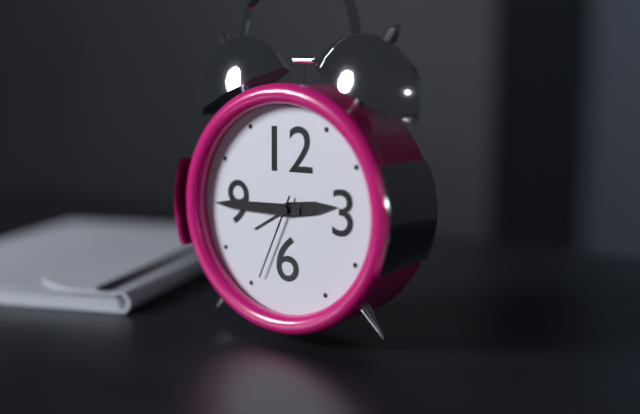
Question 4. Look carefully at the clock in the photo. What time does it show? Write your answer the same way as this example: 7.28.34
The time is 2.45.34
